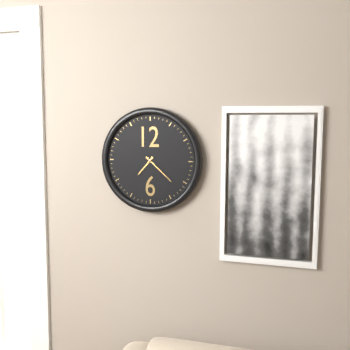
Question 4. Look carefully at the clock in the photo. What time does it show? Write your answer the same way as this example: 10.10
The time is 7.22
